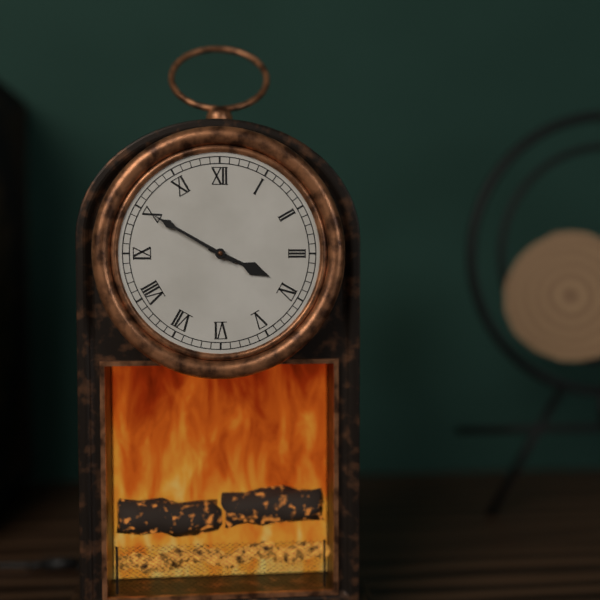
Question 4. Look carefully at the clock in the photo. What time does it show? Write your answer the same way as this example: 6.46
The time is 3.50
